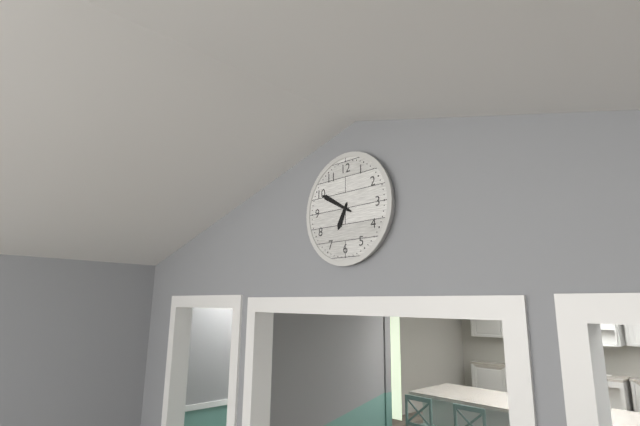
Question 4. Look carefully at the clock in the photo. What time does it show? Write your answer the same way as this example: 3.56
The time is 6.50
